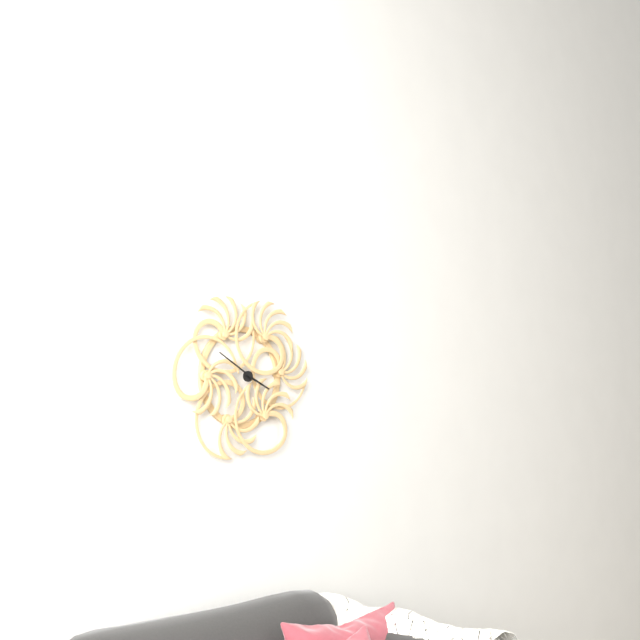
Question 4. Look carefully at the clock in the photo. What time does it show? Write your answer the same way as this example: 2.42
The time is 3.50
